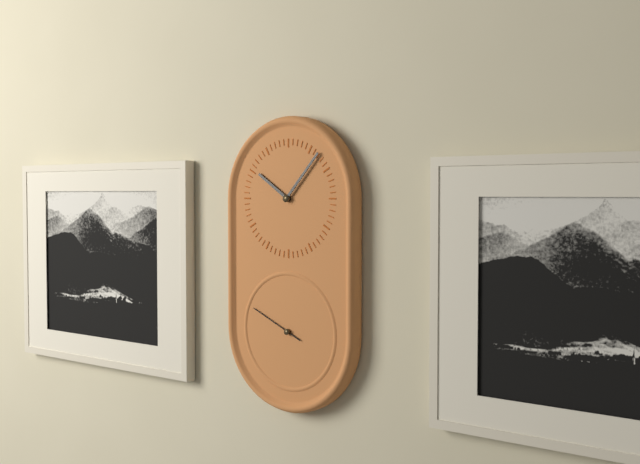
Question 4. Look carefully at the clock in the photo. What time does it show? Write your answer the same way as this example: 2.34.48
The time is 10.07.49
